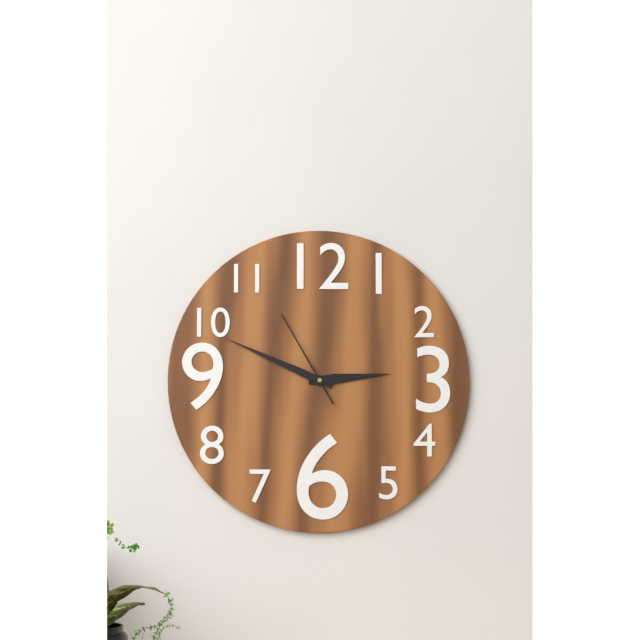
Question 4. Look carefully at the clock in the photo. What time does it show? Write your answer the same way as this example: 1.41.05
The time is 2.49.55
